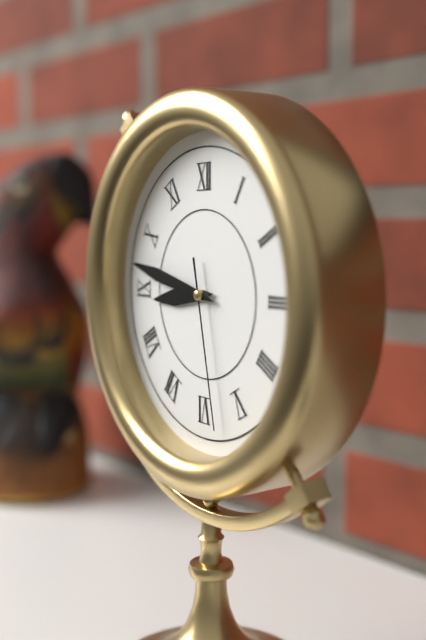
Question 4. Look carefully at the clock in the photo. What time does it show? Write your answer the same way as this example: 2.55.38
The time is 8.47.28
